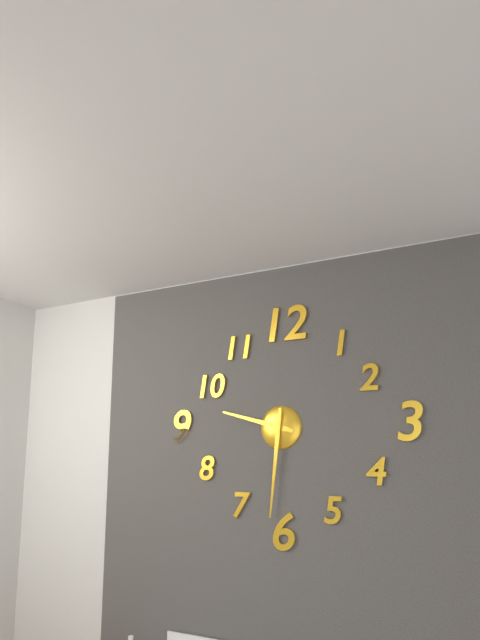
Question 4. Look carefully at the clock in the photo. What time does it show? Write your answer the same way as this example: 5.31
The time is 9.31
